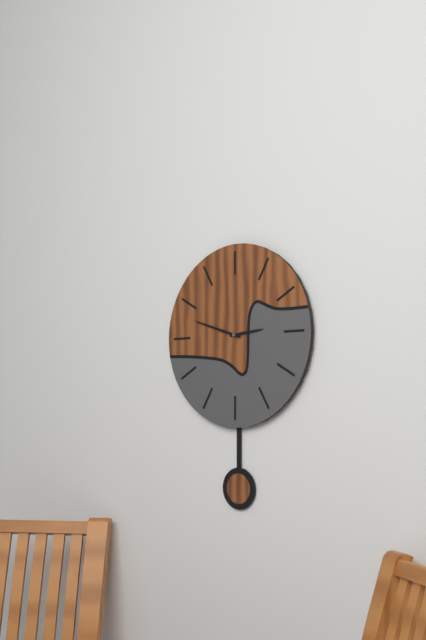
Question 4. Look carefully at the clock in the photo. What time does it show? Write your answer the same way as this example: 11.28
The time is 2.48
